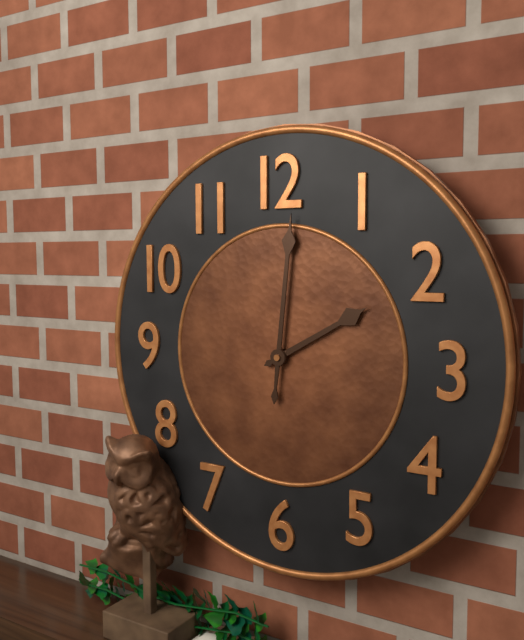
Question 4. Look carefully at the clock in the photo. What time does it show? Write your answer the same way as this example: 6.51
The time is 2.01
